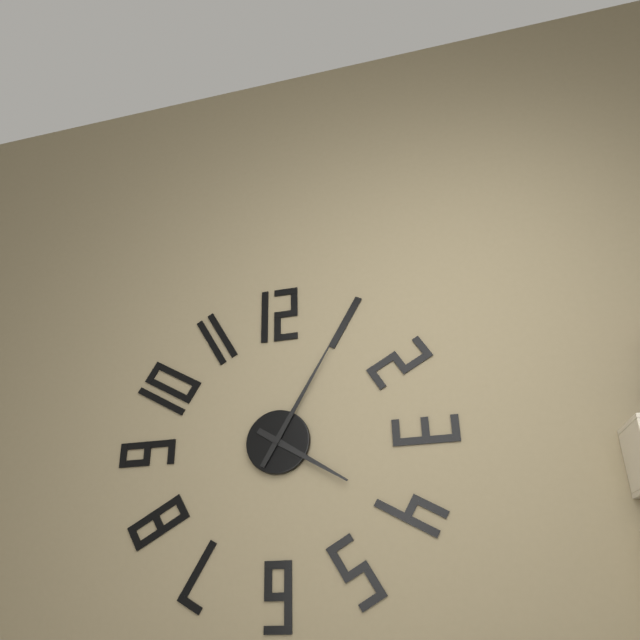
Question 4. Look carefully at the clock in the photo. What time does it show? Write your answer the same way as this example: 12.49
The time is 4.05
